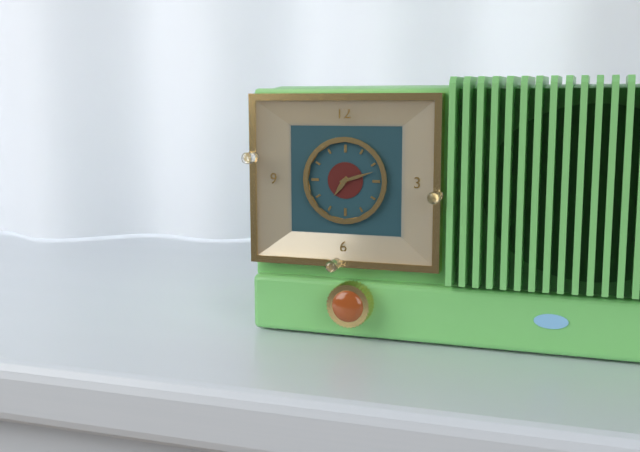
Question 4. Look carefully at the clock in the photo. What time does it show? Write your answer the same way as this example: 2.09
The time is 7.12
